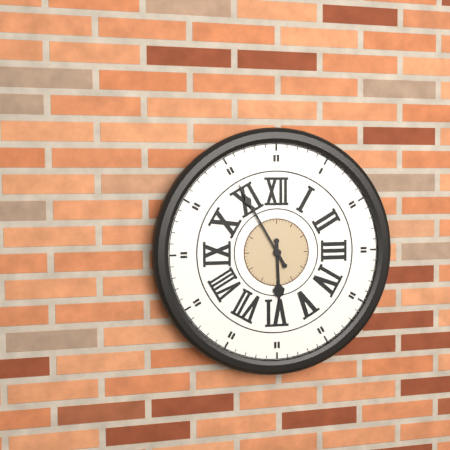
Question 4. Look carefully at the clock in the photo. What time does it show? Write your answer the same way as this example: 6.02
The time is 5.55
